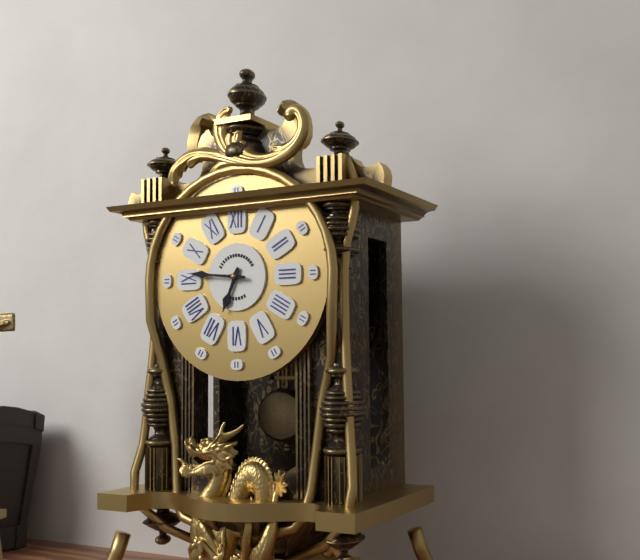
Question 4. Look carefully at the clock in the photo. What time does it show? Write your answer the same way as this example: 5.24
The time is 6.46
